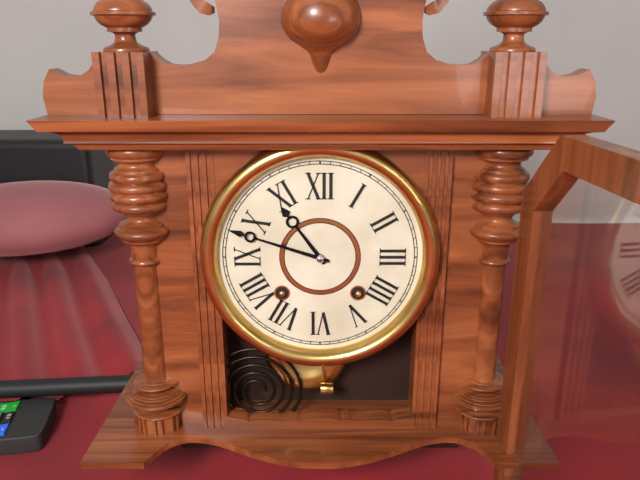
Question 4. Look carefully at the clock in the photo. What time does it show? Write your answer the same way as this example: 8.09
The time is 10.48
